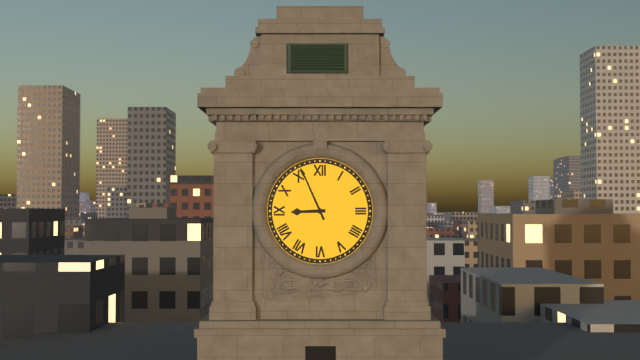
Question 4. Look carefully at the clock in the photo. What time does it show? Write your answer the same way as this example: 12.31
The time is 8.56
